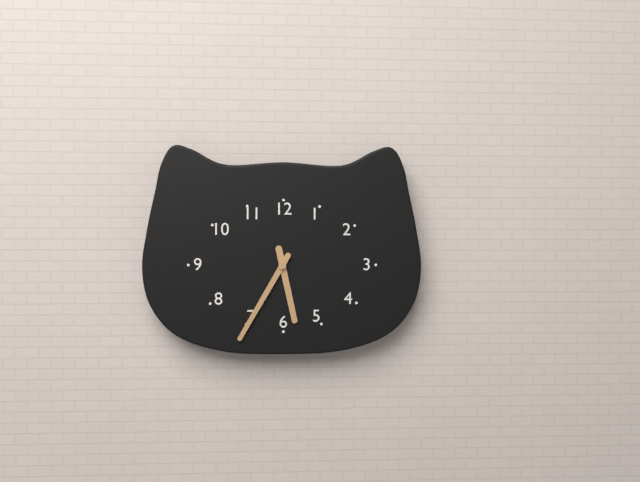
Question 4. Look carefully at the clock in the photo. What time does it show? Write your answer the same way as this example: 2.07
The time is 5.35
